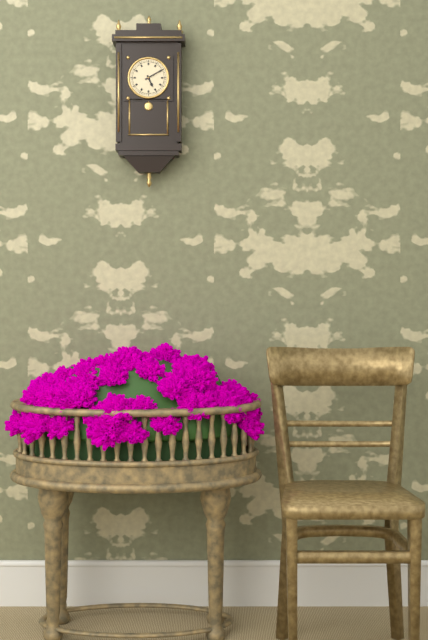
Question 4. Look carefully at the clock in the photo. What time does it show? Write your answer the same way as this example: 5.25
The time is 5.10
